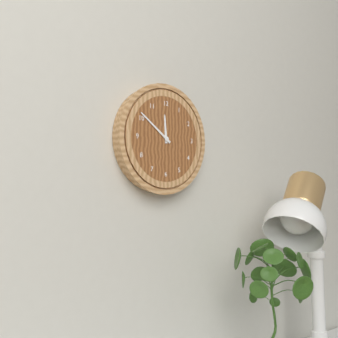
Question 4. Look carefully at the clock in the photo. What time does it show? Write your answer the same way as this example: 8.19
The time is 11.51
